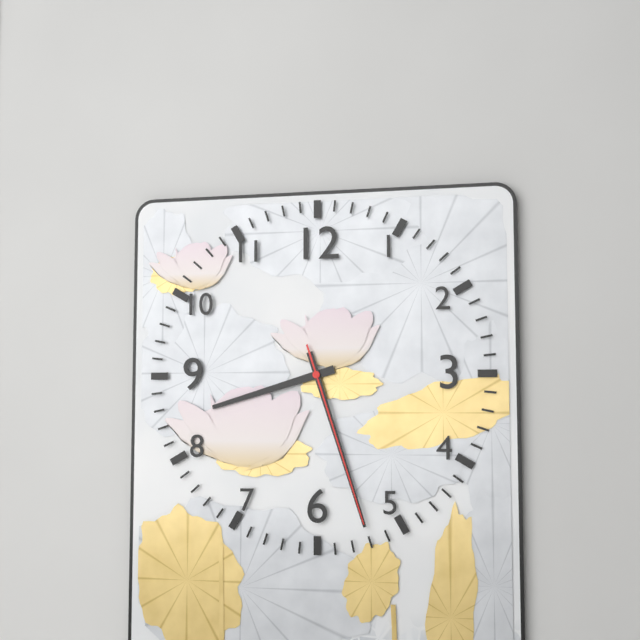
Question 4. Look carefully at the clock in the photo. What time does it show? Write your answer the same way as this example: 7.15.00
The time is 8.27.27
